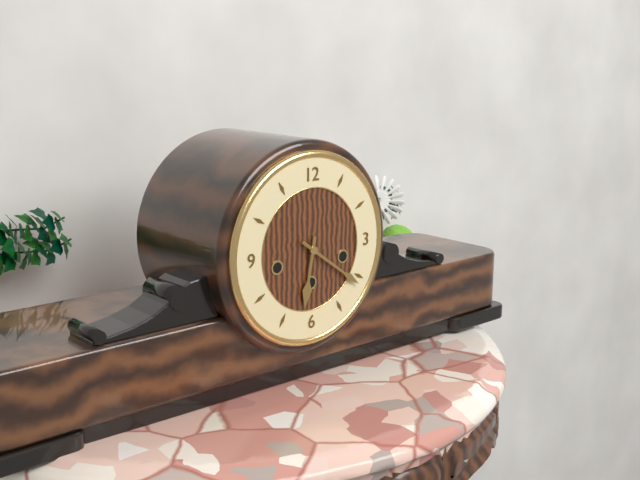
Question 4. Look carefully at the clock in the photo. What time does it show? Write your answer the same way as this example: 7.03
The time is 6.21
